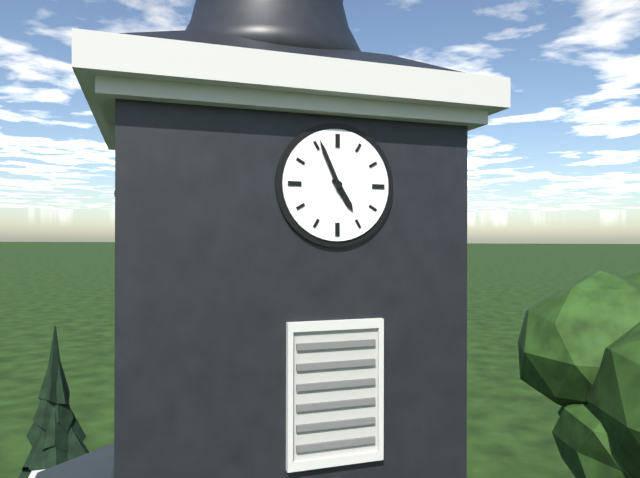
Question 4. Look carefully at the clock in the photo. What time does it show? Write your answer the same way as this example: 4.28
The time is 4.56
